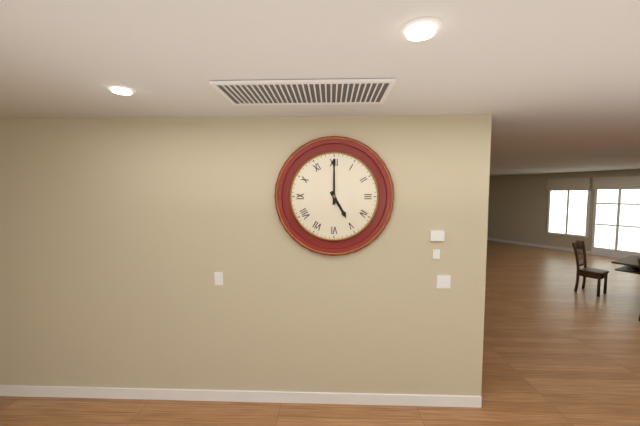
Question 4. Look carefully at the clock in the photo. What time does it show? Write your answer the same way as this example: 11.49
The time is 5.00
